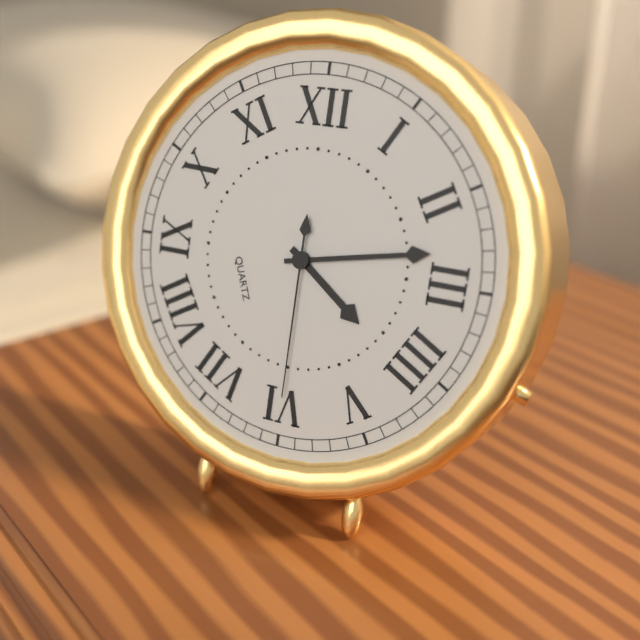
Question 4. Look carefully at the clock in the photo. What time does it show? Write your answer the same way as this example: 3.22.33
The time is 4.13.30
